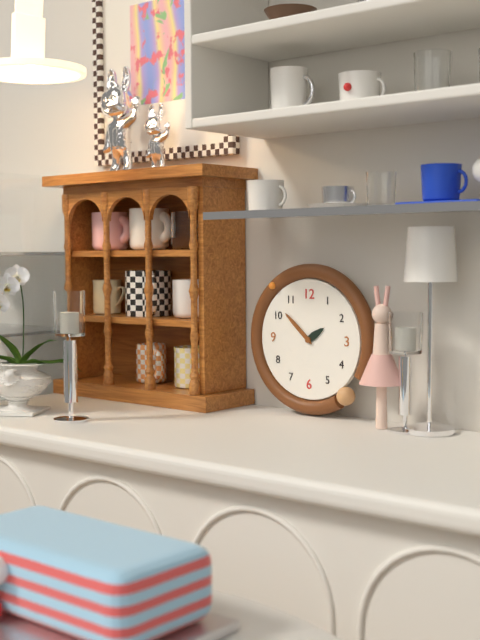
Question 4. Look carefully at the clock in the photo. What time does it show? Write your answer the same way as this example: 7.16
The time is 1.52
